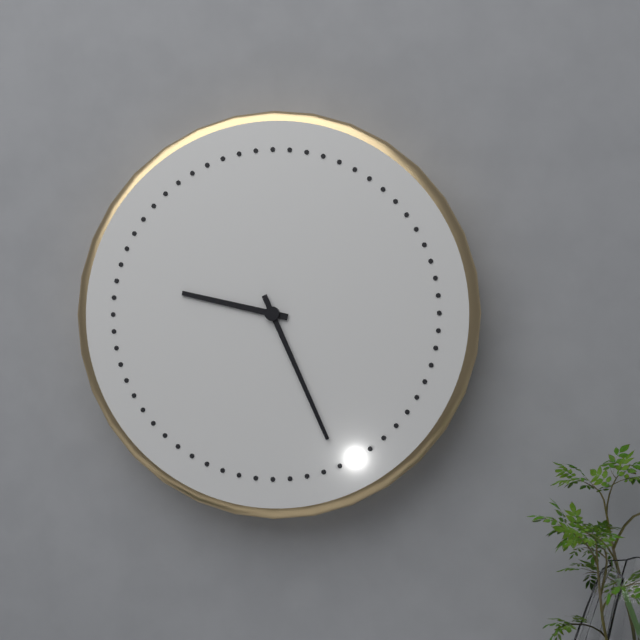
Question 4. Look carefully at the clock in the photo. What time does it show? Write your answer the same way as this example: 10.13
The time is 9.26
